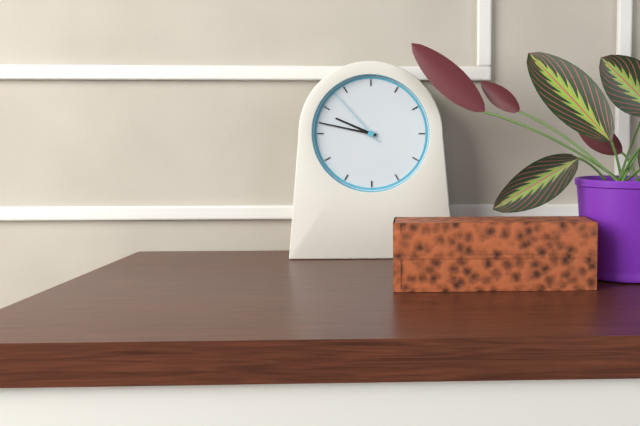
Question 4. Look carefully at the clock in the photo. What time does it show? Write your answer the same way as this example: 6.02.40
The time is 9.47.53
